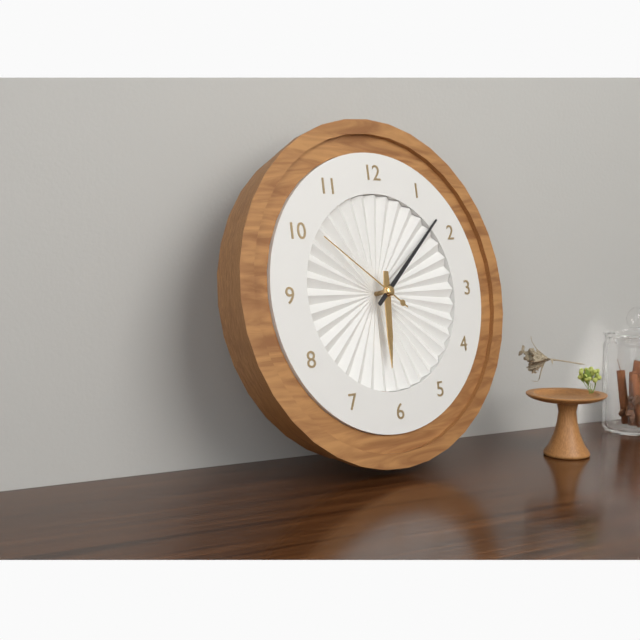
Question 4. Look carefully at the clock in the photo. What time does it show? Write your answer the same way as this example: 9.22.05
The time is 6.08.51
